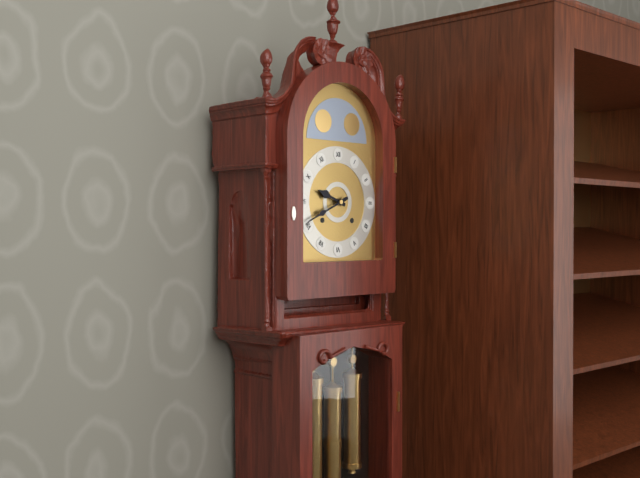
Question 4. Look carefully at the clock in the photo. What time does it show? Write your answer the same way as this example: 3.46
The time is 9.41
